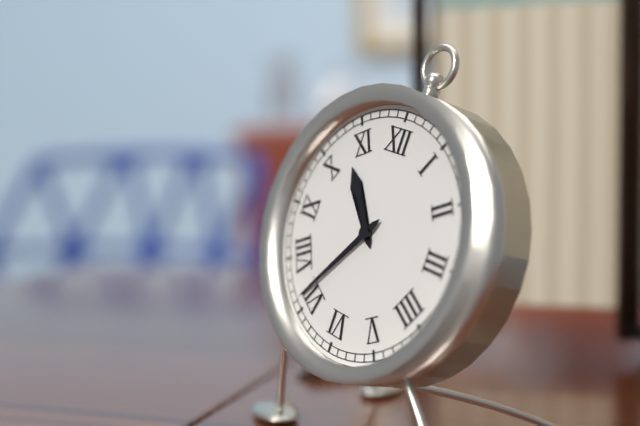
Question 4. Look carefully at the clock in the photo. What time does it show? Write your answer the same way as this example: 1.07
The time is 10.36
